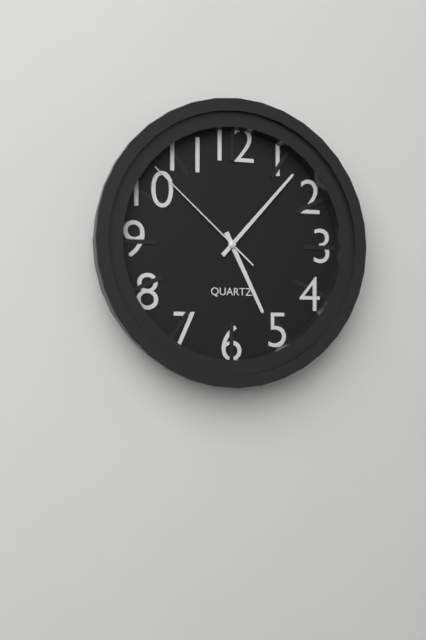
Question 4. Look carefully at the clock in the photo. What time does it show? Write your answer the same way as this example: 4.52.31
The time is 5.07.52
